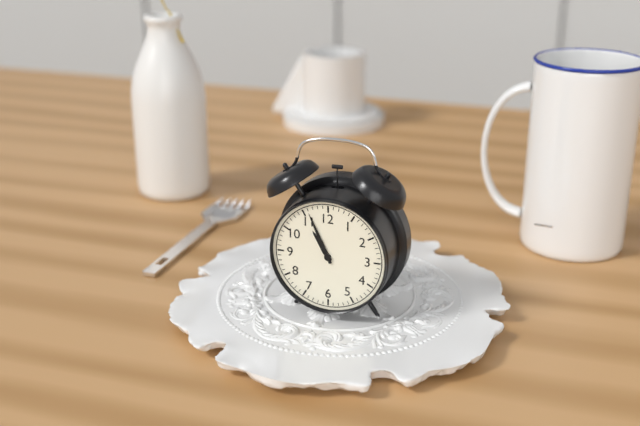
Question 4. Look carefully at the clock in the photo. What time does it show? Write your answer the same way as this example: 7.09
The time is 10.56
